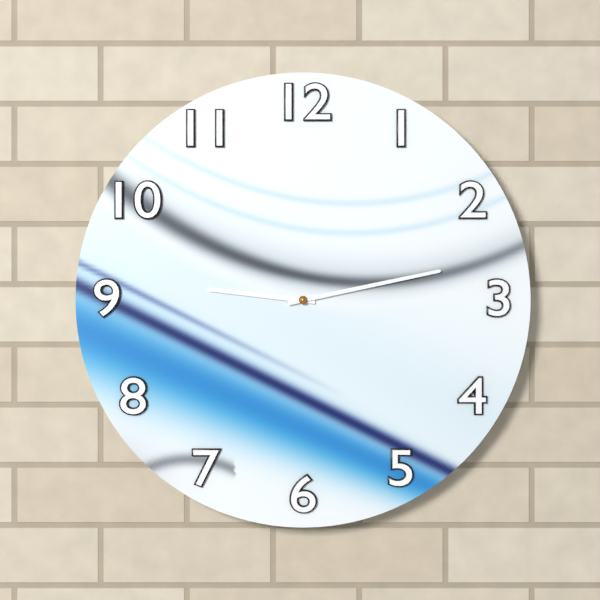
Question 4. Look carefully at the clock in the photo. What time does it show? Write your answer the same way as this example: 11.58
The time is 9.13
